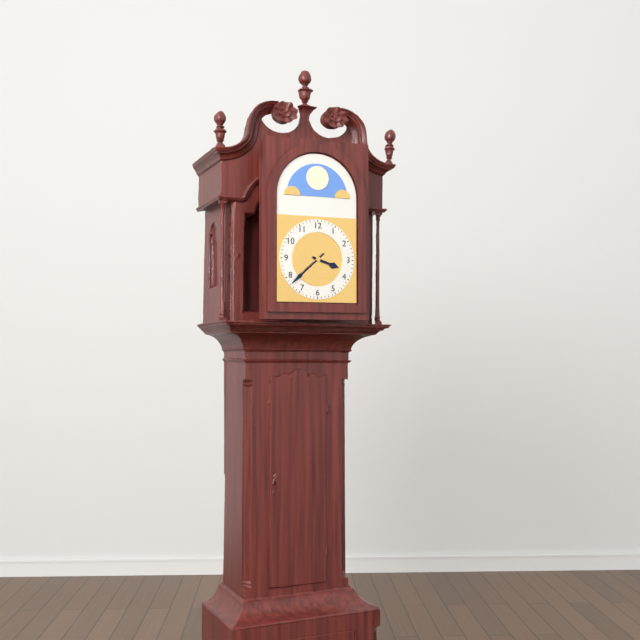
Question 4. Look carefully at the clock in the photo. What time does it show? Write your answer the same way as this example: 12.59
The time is 3.38
